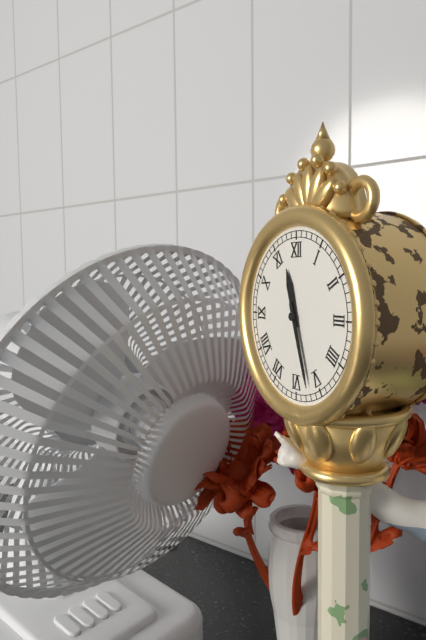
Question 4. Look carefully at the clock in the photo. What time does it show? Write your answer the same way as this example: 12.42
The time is 11.27
